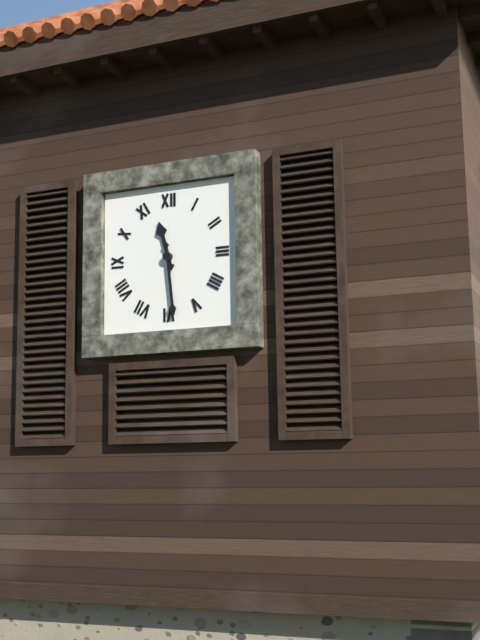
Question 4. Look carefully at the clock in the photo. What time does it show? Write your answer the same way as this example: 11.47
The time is 11.29
